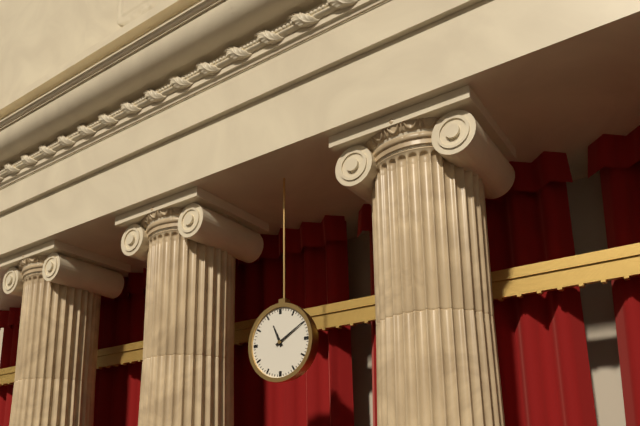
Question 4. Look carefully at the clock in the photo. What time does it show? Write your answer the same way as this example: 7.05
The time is 11.10
